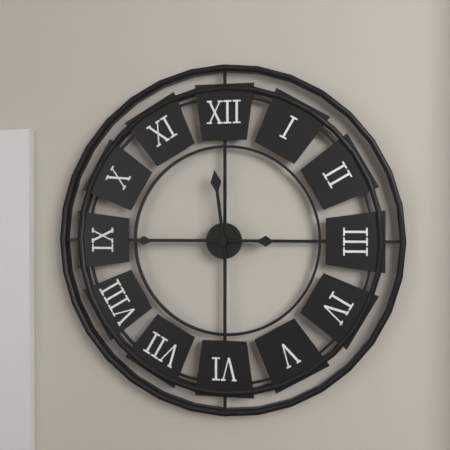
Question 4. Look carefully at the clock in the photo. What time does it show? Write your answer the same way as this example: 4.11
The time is 11.45
